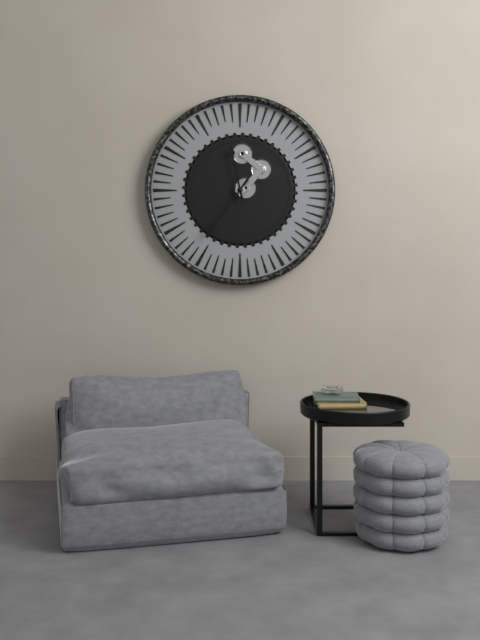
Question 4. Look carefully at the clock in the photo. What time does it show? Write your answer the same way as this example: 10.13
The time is 11.36
